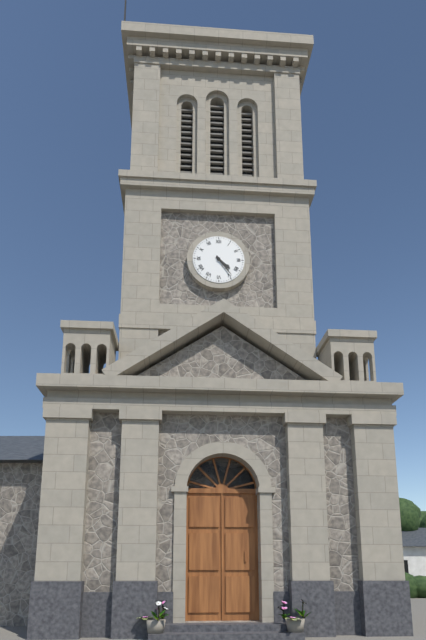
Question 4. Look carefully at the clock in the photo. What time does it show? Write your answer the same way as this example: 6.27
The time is 4.24
